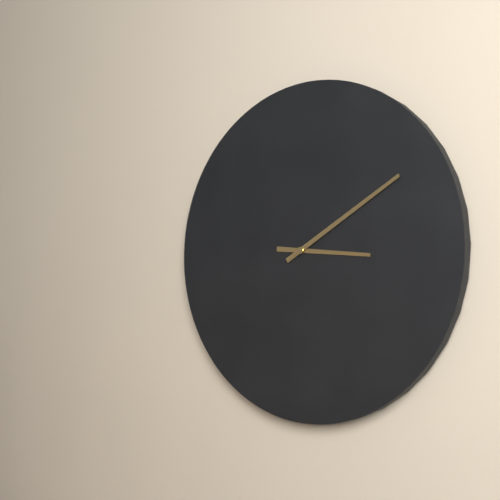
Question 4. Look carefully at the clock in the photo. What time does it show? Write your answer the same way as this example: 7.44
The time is 3.10
